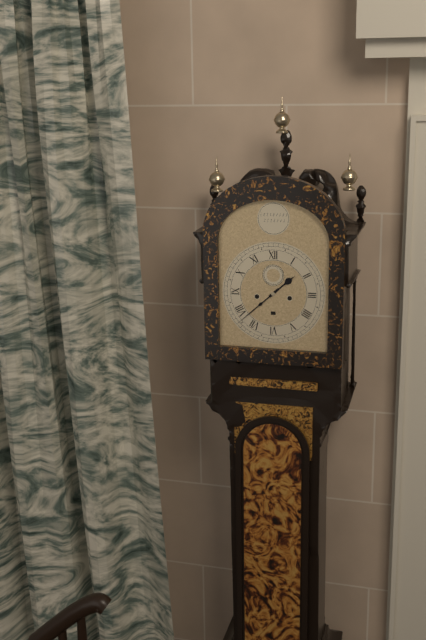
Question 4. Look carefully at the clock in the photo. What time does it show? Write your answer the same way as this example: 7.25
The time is 1.38
